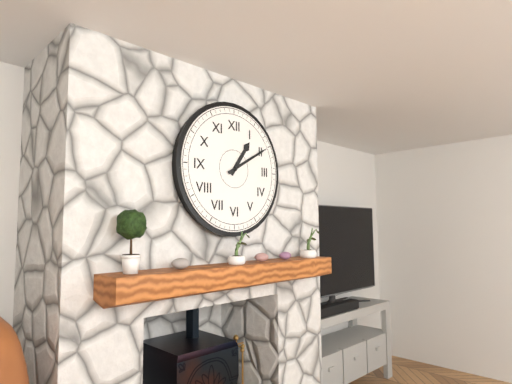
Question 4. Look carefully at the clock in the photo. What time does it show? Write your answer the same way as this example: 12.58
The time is 1.10
